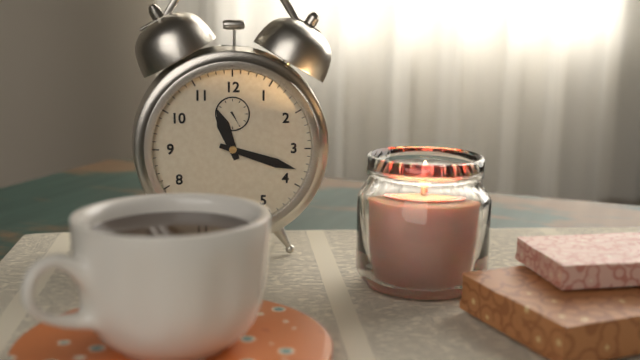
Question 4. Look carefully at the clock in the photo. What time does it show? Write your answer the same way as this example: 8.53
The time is 11.18
